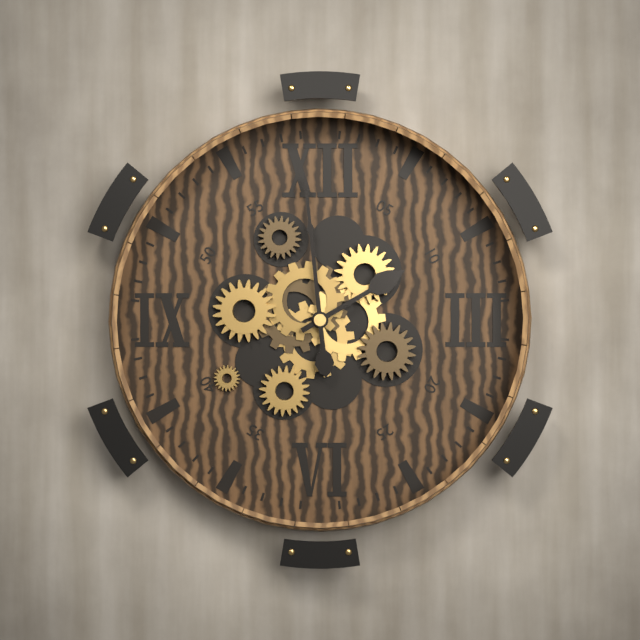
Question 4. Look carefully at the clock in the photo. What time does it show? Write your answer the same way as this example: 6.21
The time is 1.59
